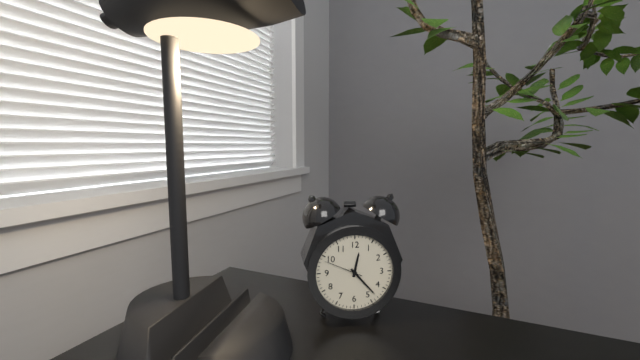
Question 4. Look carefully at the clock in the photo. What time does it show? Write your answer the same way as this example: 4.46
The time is 12.23
